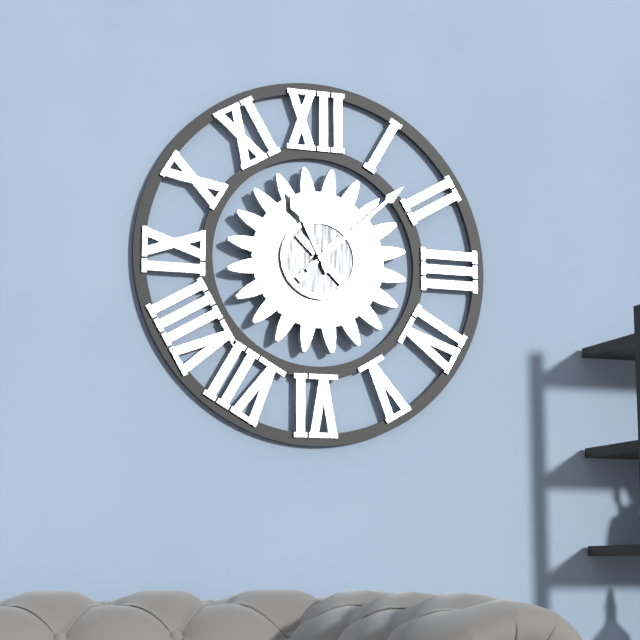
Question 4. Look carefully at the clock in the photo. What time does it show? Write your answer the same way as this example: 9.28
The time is 11.08
